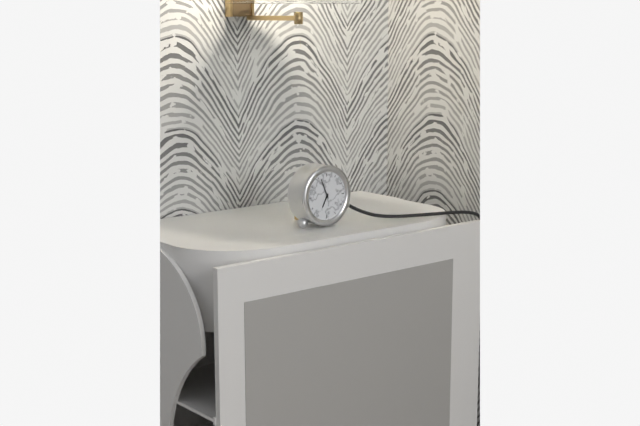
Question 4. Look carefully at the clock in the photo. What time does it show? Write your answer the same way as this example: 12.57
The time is 6.56
